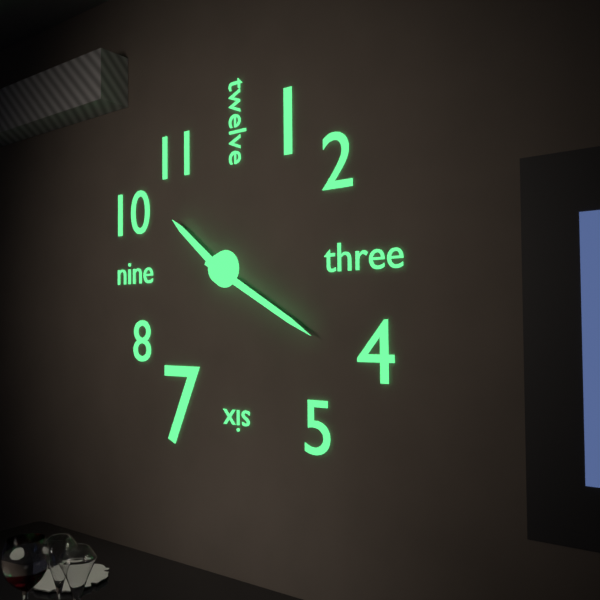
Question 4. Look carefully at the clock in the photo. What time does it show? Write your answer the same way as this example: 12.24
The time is 10.20
